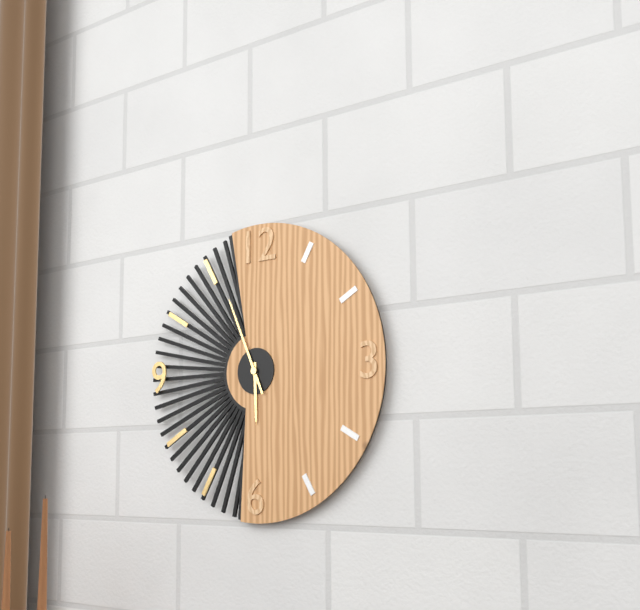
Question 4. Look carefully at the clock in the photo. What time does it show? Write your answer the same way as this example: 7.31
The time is 5.56
